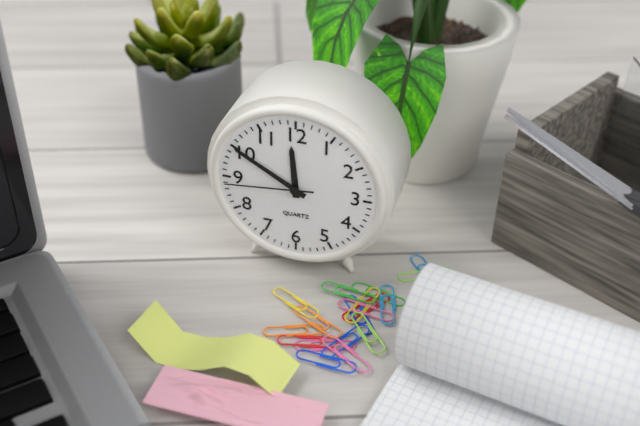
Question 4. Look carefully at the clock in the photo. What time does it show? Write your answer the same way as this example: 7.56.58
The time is 11.50.44
